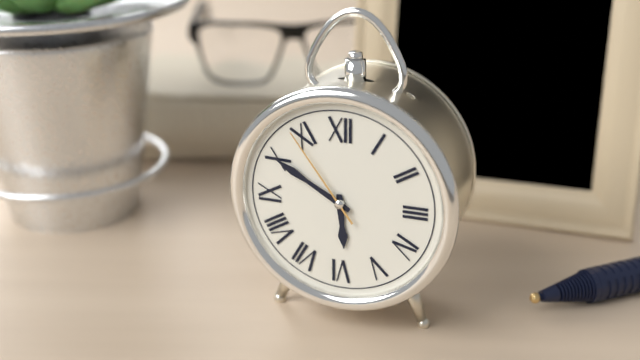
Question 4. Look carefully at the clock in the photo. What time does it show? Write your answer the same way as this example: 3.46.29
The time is 5.50.54
